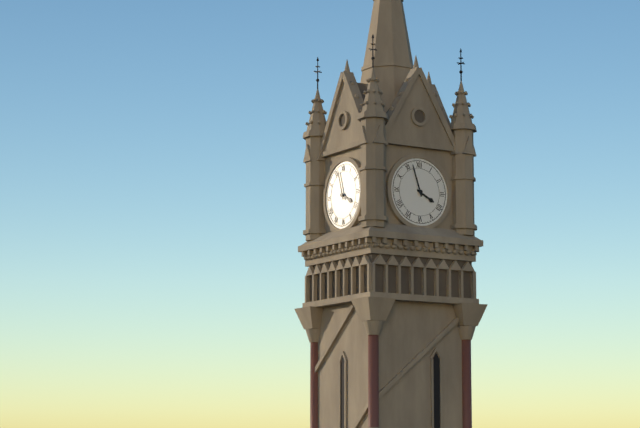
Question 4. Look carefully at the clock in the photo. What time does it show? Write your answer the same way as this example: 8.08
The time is 3.57
